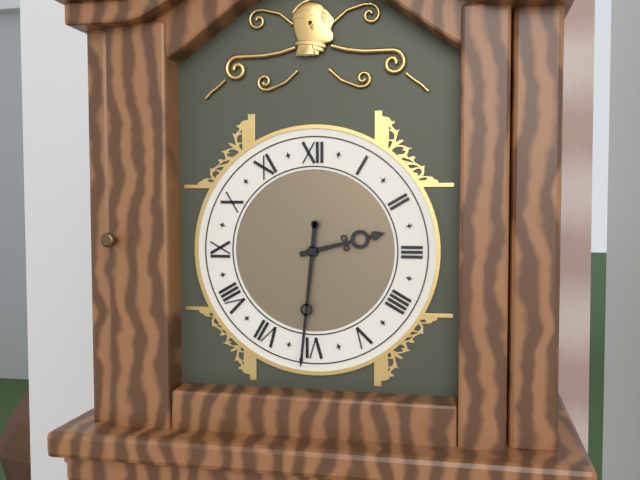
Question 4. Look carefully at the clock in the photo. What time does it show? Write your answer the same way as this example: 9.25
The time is 2.31
